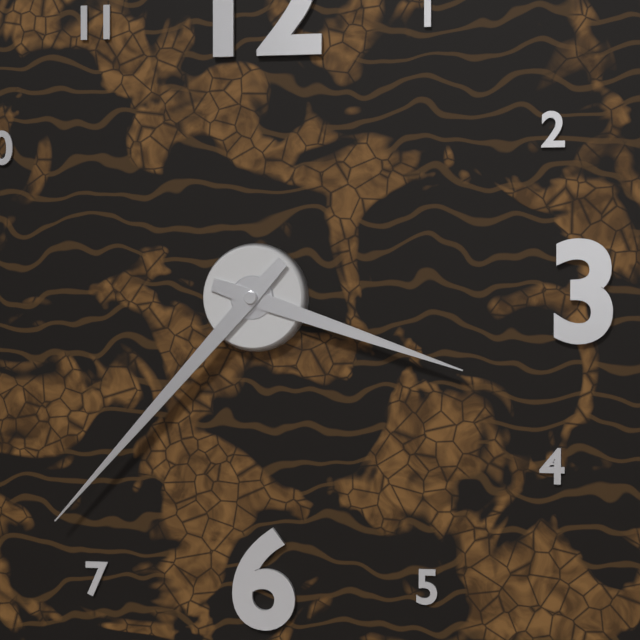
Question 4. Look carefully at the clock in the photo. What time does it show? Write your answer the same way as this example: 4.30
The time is 3.37
